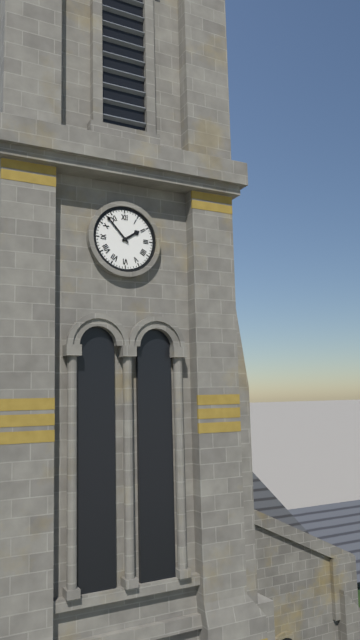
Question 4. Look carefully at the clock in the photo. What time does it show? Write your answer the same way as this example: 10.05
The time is 1.53
